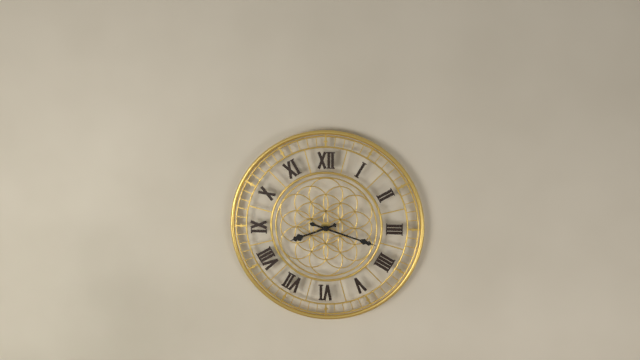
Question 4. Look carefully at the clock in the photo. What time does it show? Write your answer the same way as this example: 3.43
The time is 8.18
